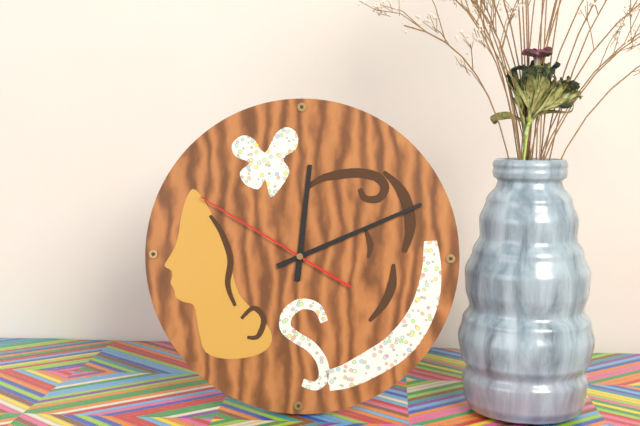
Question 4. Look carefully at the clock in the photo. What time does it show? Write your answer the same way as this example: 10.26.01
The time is 12.11.50
